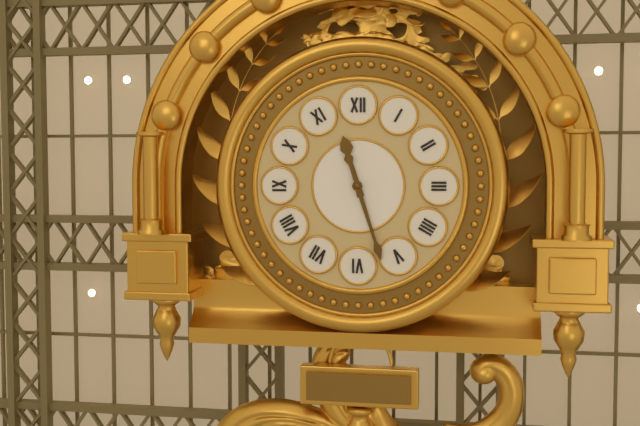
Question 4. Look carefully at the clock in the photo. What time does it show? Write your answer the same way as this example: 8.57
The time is 11.27
